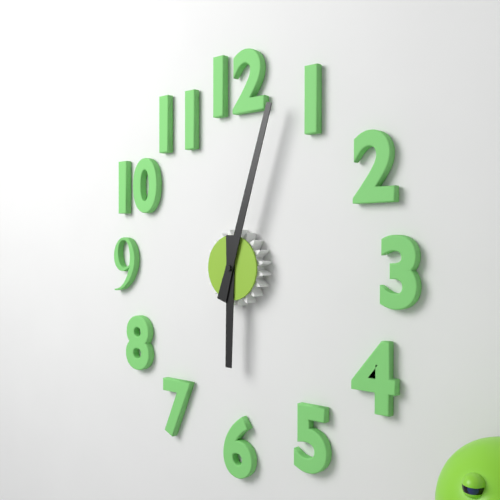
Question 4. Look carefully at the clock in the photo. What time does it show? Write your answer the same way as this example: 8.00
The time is 6.03
